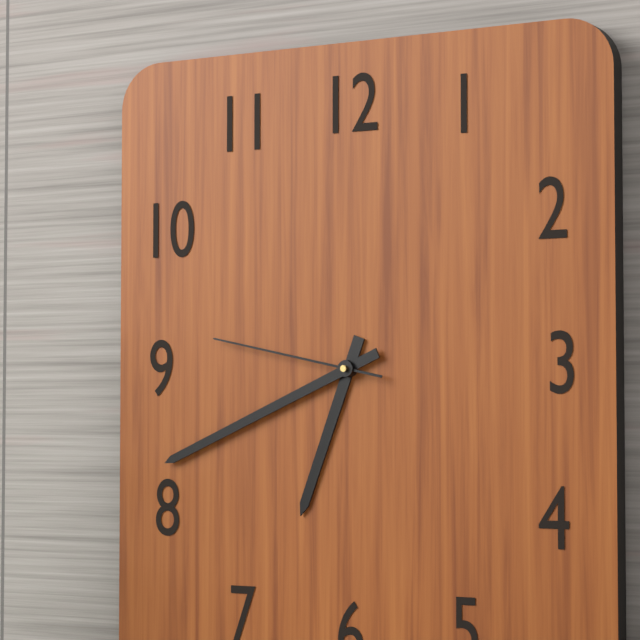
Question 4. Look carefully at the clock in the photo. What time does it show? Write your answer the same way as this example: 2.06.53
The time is 6.41.47
